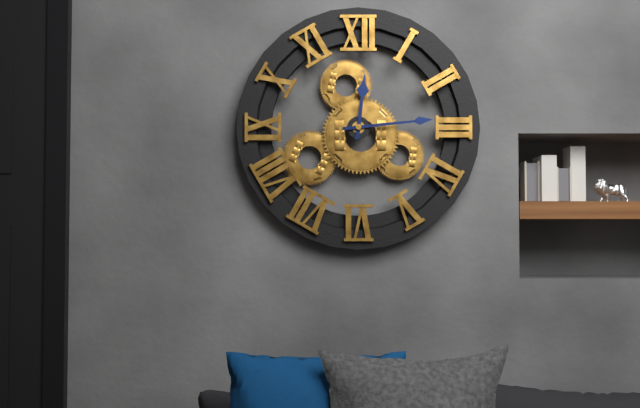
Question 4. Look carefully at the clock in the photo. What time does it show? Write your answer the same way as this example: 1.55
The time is 12.14
